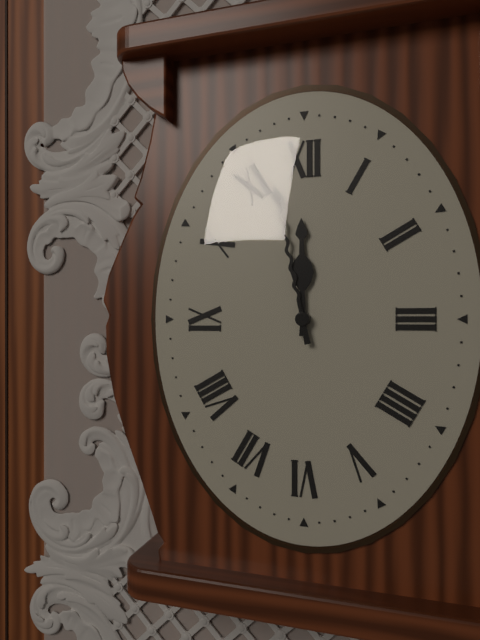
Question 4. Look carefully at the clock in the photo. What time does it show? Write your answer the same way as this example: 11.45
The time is 11.58
